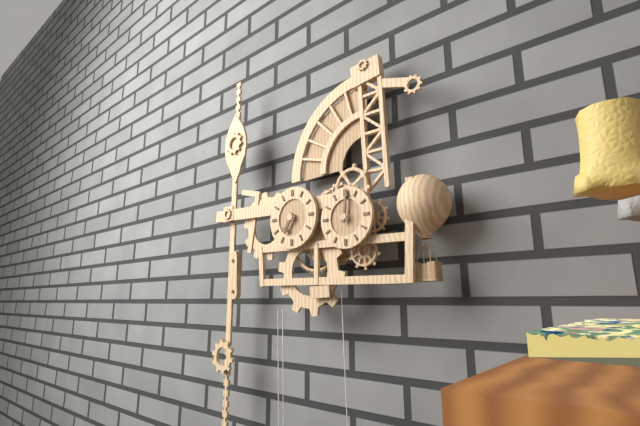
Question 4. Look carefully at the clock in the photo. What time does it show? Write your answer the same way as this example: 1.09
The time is 7.01
